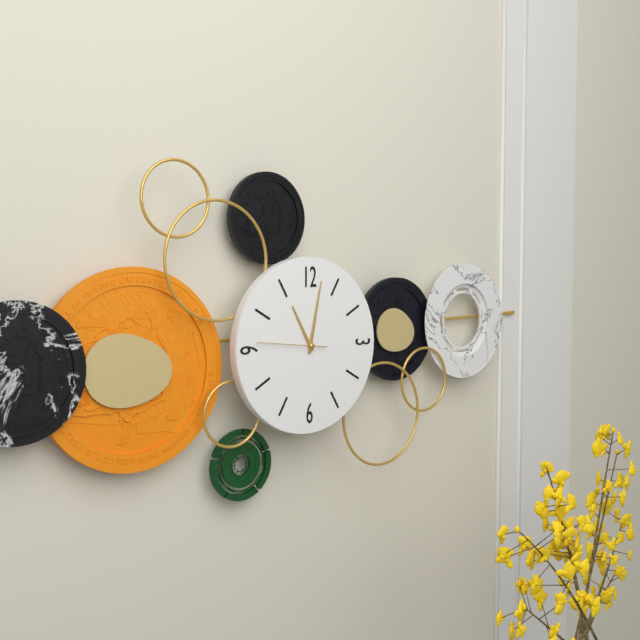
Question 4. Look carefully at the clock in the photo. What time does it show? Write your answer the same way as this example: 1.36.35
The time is 11.02.46
